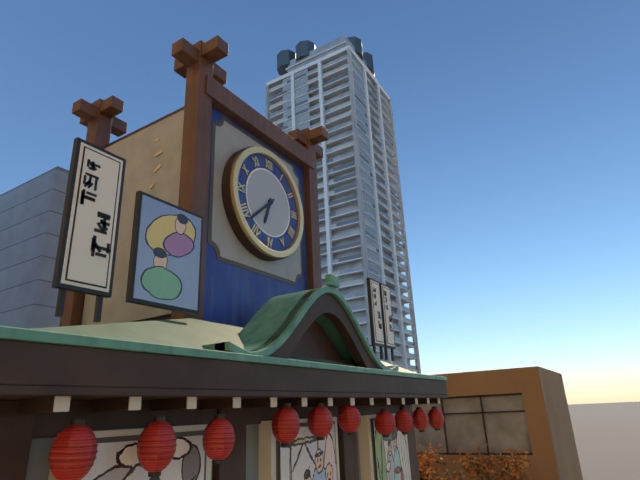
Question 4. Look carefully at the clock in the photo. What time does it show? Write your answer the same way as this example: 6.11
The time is 6.38
